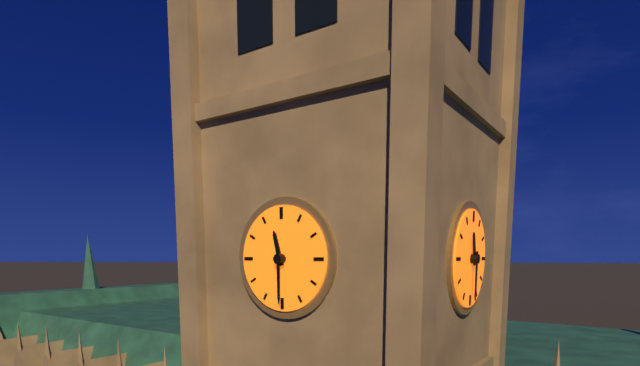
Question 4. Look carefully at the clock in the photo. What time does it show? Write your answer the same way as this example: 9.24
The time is 11.30
